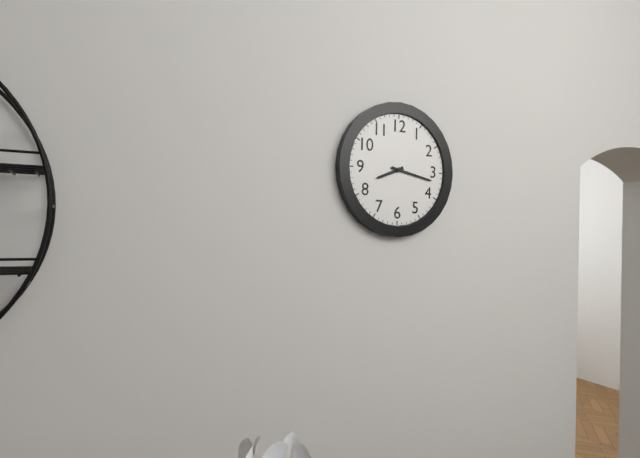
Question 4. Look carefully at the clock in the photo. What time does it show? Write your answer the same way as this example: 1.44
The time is 8.17
